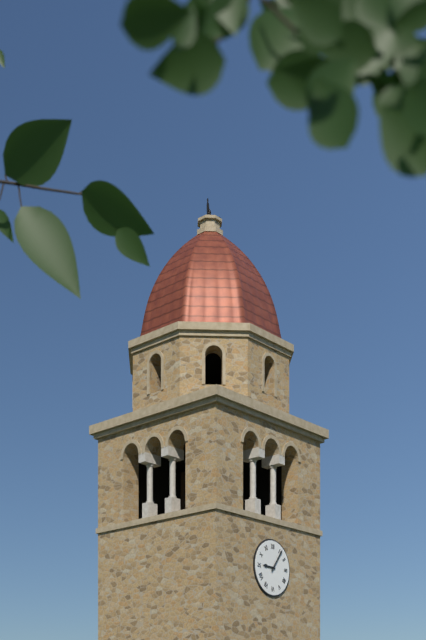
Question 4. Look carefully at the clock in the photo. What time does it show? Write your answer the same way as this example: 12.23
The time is 9.06
